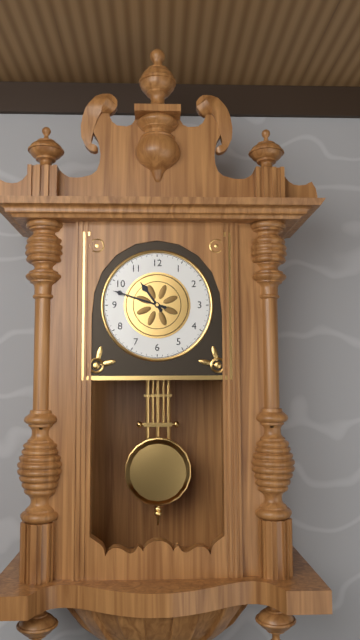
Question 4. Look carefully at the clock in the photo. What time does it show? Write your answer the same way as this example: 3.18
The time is 10.48
